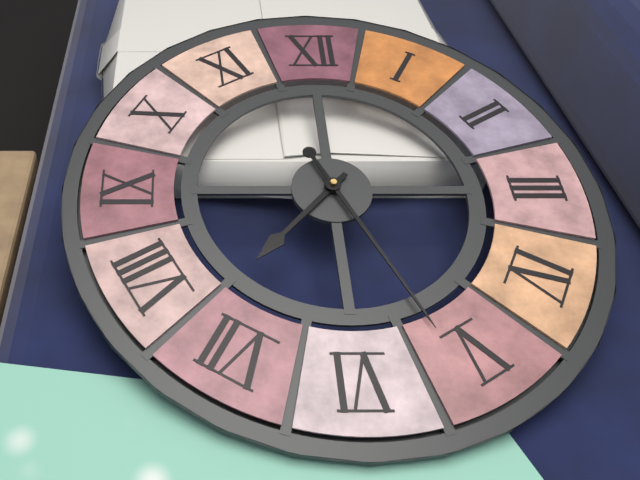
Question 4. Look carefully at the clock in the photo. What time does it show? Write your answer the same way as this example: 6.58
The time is 7.26
